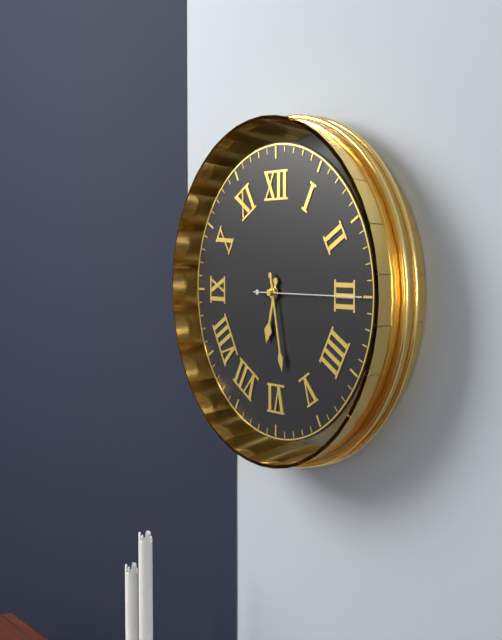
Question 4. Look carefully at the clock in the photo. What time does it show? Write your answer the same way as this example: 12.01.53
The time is 6.28.15
